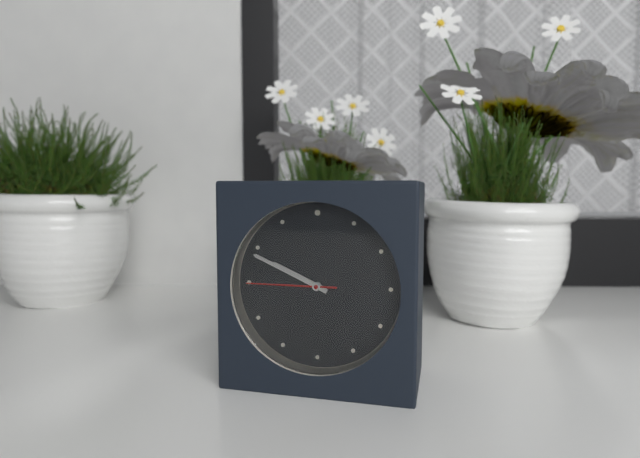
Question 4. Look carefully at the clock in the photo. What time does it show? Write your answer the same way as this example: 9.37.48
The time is 9.49.45
